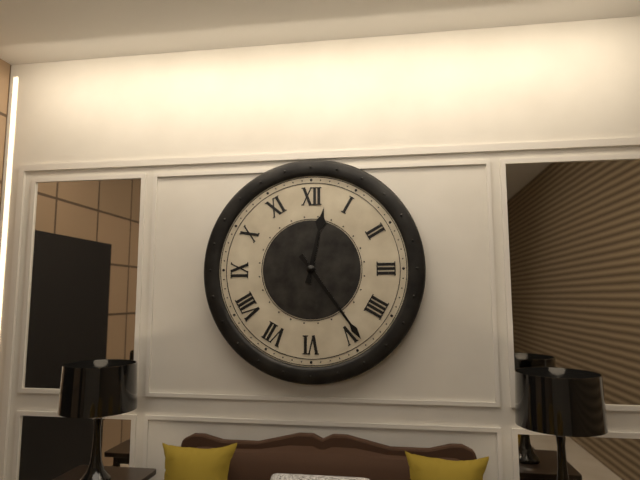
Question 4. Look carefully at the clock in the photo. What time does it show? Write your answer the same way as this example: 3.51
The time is 12.24
